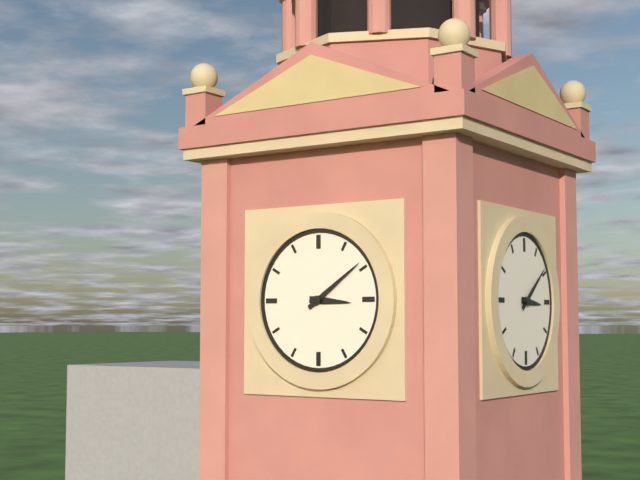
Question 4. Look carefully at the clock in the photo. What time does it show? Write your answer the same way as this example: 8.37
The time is 3.09
